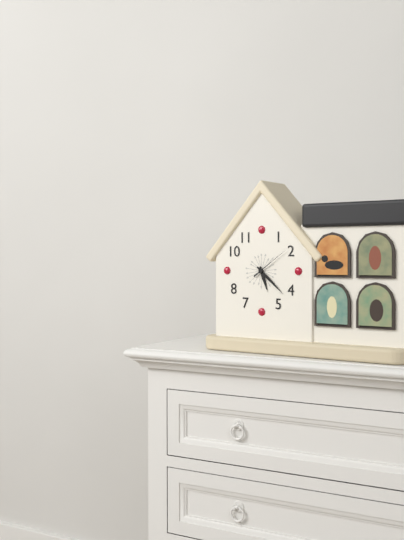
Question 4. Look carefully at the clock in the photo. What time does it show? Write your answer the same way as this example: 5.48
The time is 5.22
